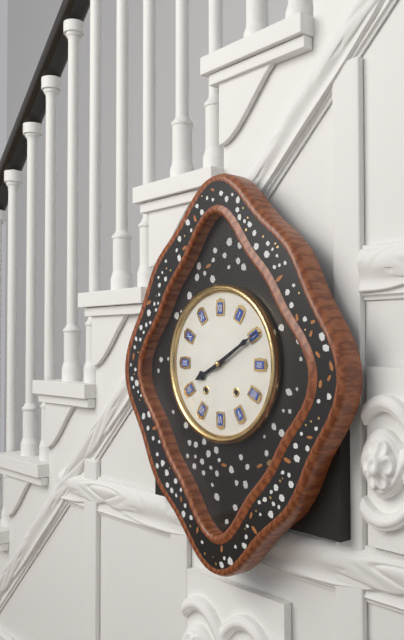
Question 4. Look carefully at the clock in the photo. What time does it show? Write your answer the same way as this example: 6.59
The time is 8.10
